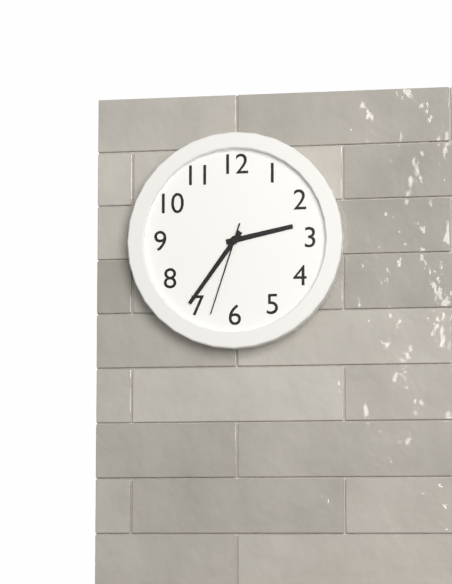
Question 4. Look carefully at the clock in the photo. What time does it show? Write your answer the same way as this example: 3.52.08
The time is 2.36.33
